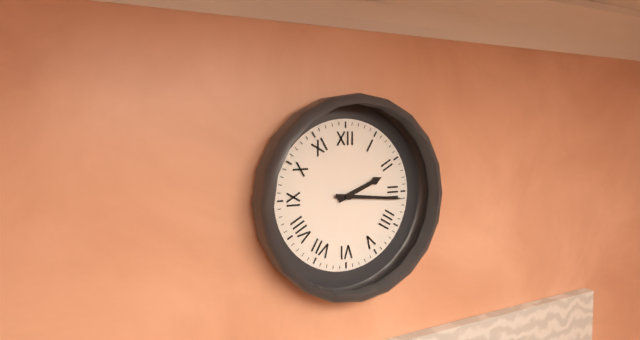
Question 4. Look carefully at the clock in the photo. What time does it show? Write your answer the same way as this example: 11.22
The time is 2.16
